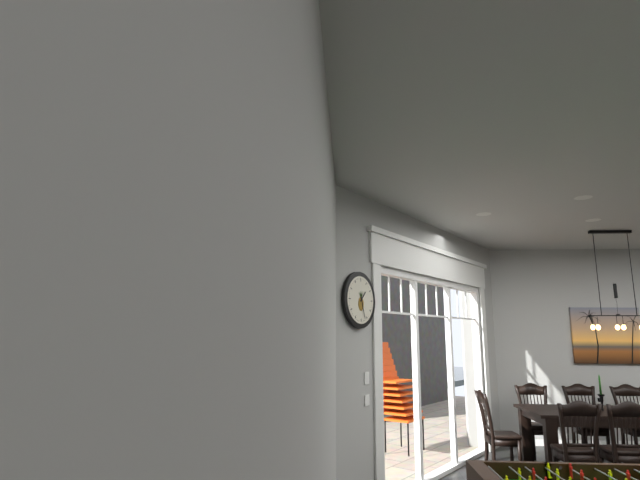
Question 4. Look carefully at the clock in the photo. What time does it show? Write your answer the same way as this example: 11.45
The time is 1.27
